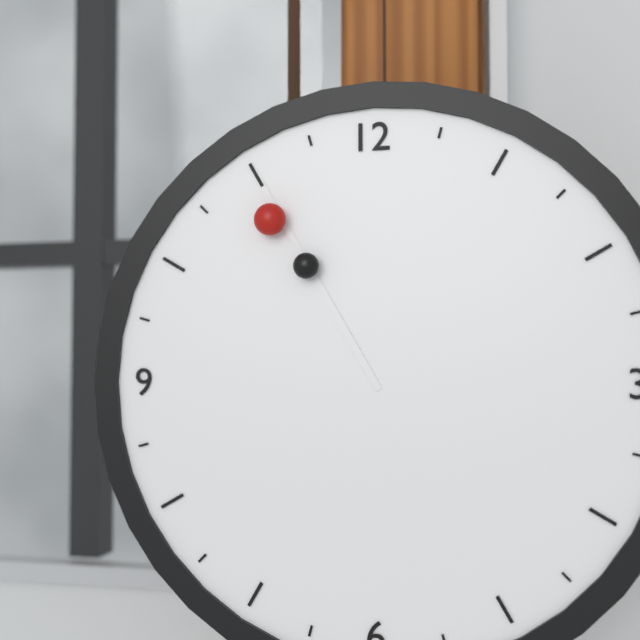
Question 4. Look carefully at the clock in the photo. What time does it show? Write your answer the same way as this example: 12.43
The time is 10.55
